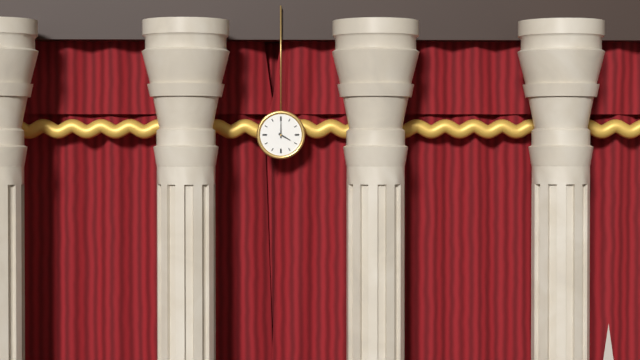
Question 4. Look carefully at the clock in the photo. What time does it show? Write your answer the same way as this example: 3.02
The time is 4.00
